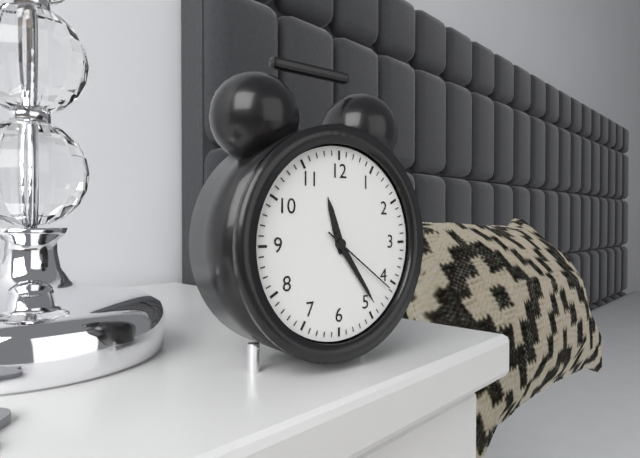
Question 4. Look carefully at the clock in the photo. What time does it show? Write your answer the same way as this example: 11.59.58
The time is 11.24.21
